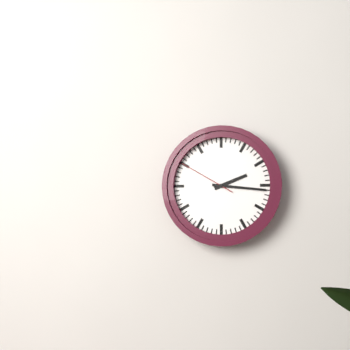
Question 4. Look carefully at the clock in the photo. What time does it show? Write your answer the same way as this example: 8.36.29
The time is 2.16.50
